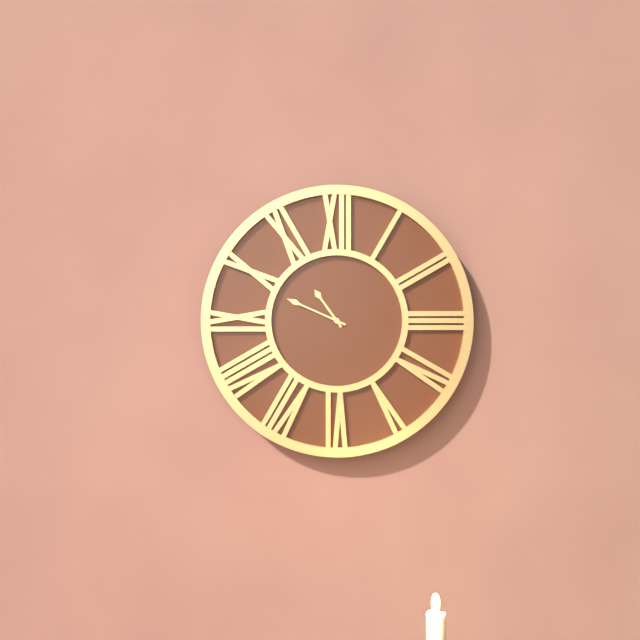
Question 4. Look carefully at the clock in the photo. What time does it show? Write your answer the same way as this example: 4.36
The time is 10.49
